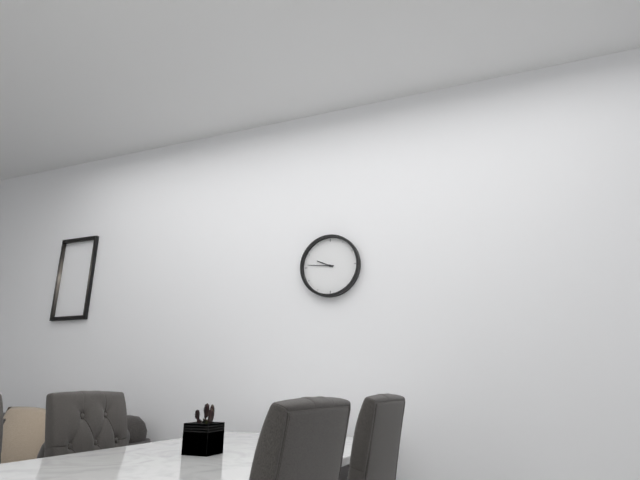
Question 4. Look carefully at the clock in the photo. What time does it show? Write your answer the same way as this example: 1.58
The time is 9.46
